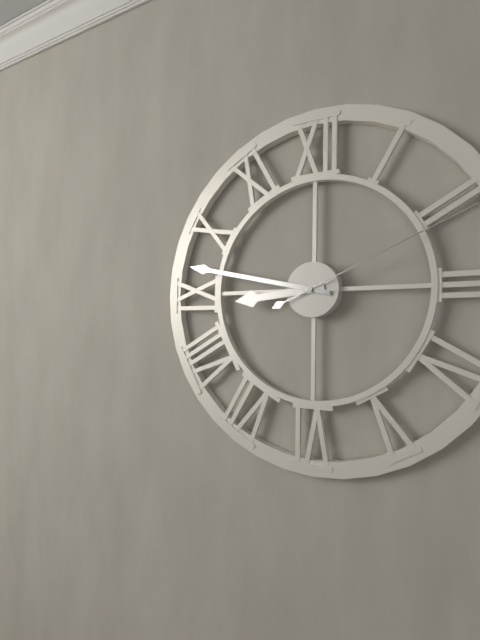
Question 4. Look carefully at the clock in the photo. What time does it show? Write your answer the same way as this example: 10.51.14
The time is 8.47.11
